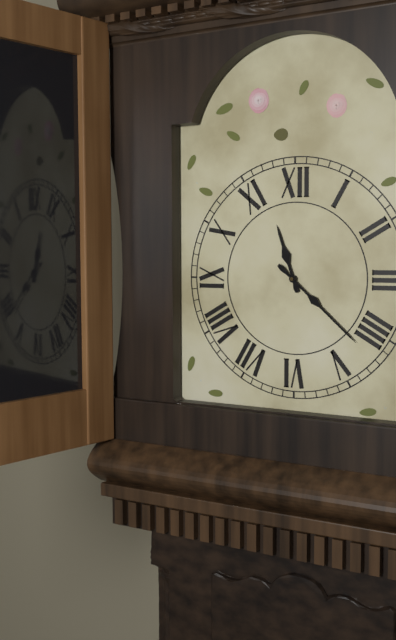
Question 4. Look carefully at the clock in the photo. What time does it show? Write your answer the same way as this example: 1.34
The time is 11.22
